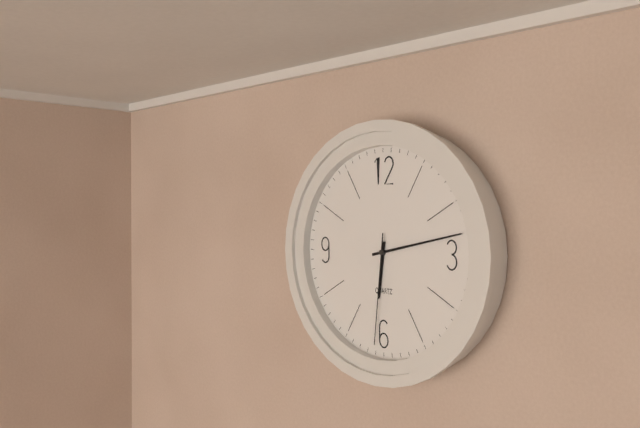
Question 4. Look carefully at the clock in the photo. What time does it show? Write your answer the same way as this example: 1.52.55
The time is 6.13.31
